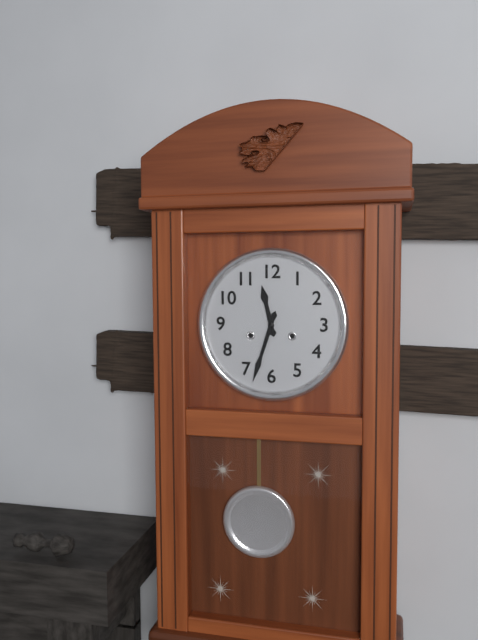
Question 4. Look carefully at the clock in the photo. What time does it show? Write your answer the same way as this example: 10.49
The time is 11.33
